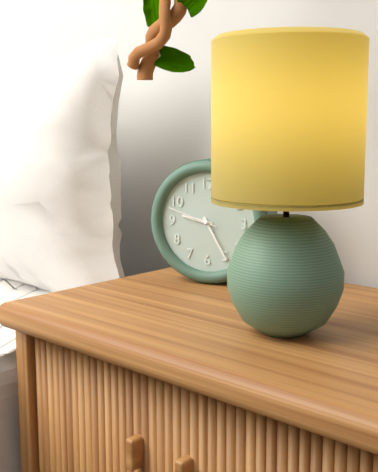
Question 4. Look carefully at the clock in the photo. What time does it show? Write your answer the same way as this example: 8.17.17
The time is 9.25.48
